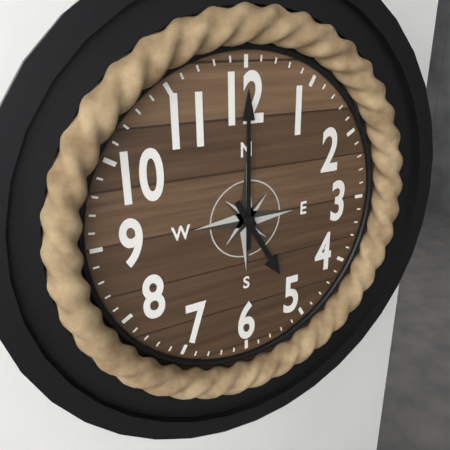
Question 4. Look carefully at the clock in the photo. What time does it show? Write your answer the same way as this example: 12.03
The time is 5.00
